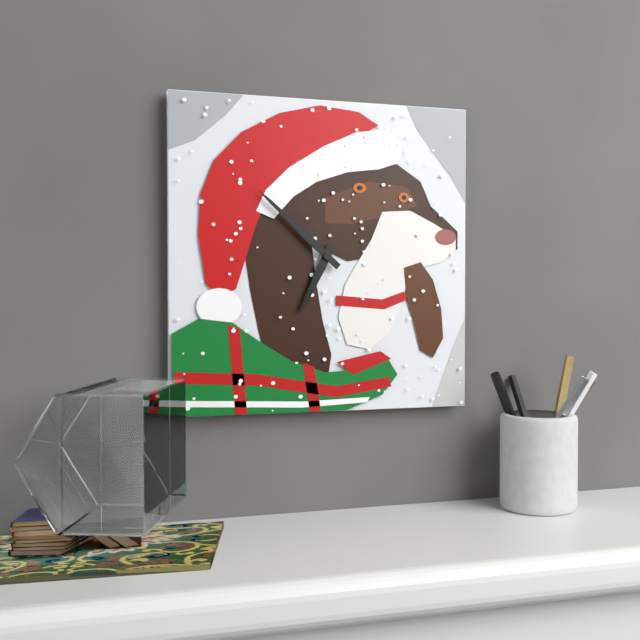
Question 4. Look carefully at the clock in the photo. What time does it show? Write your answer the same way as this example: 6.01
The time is 6.52
